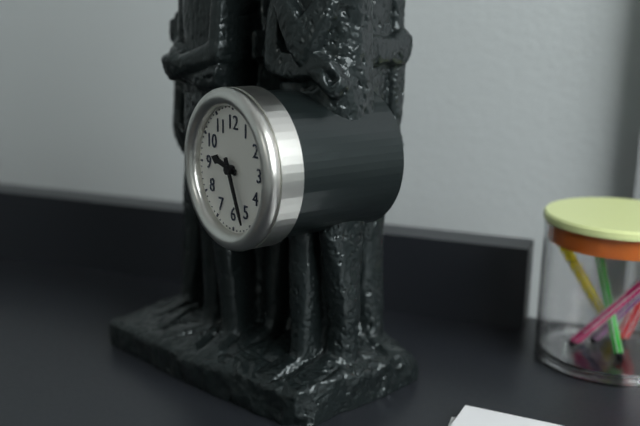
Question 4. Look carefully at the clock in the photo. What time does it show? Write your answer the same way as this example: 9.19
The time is 9.26
